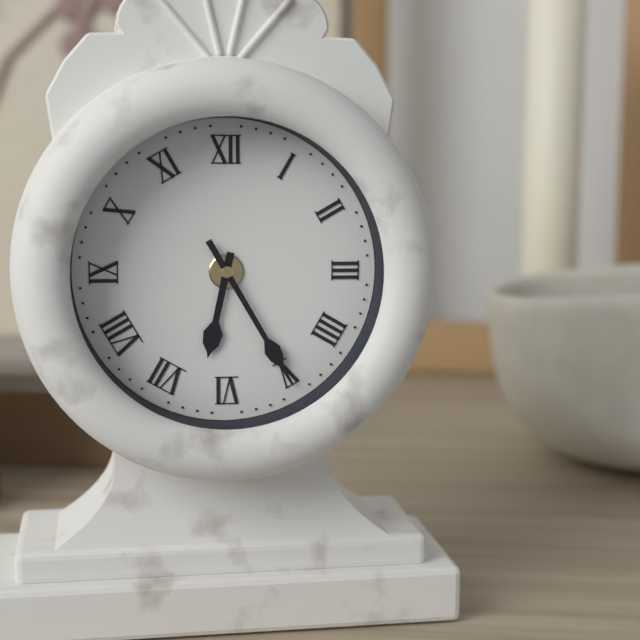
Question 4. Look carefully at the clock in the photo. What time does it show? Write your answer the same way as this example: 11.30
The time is 6.25
